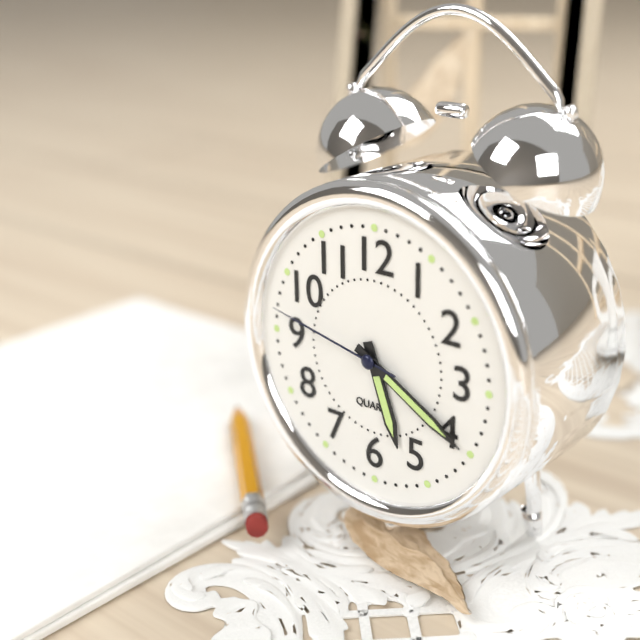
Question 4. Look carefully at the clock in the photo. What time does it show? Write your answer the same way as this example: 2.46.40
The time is 5.20.47
